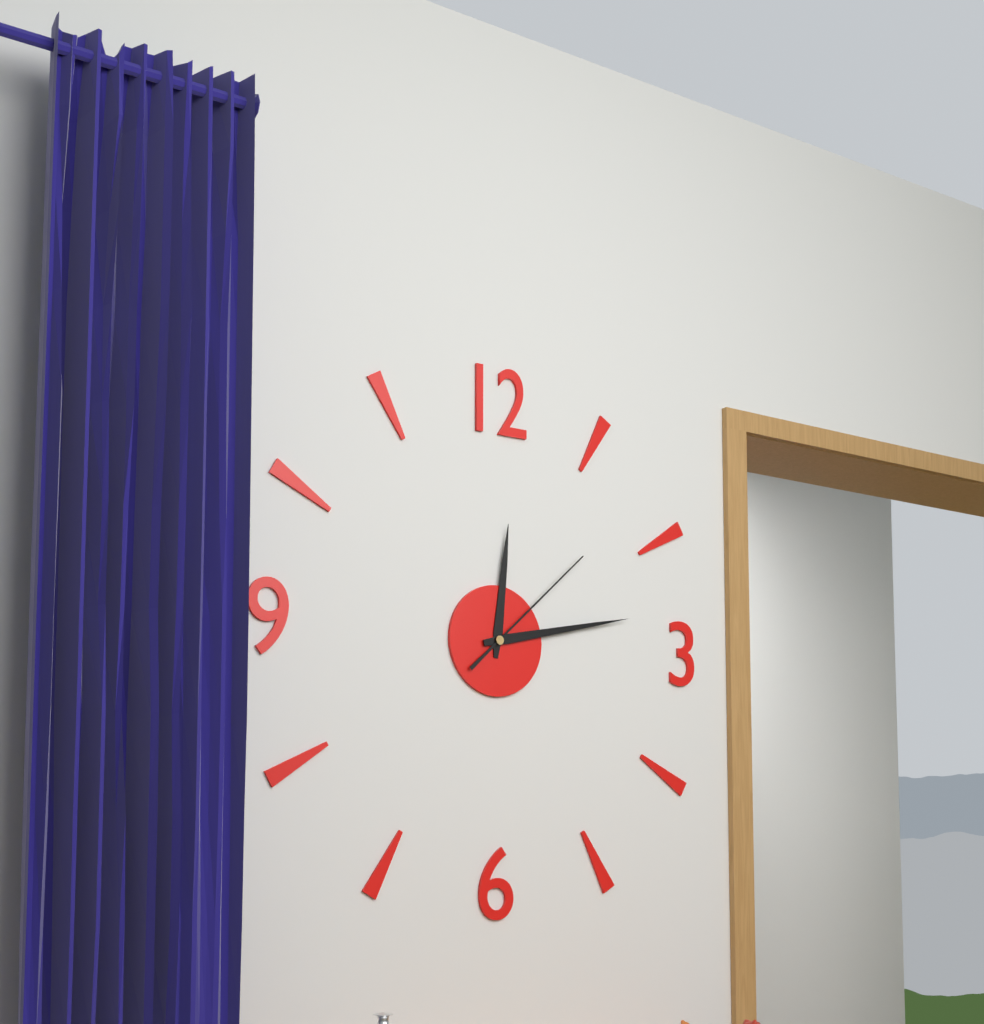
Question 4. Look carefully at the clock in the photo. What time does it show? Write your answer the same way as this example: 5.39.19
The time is 12.13.08
